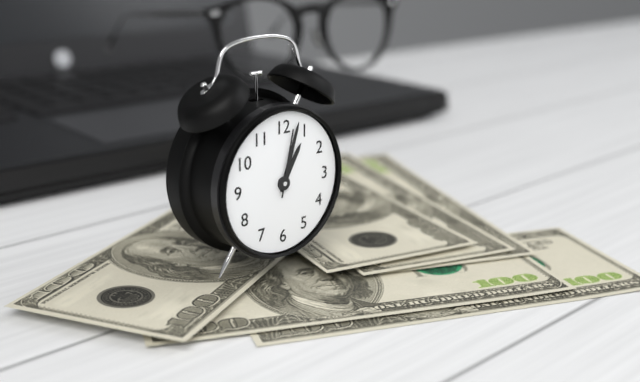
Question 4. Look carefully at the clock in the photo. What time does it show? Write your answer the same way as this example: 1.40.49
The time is 1.03.02
